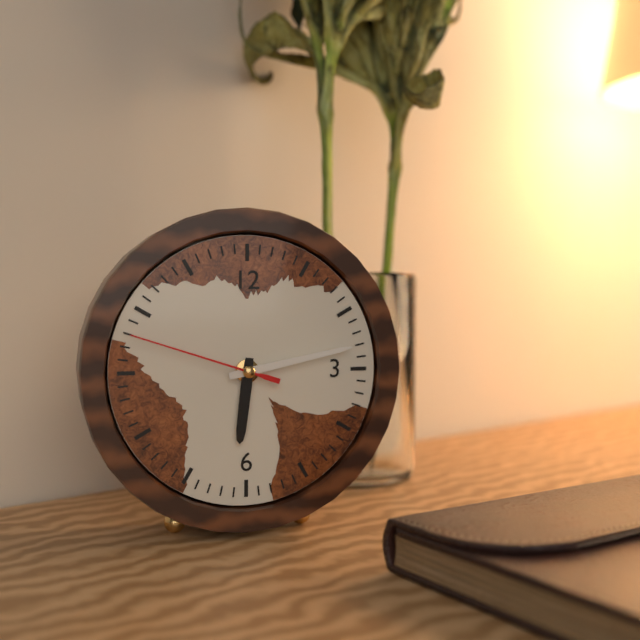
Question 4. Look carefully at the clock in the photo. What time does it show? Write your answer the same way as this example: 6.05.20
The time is 6.13.48
